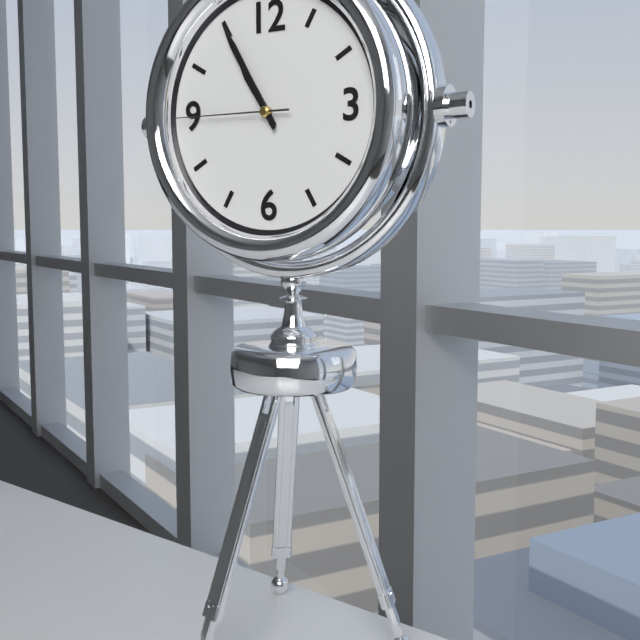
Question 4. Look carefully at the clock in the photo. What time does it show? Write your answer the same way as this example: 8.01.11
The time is 10.55.45
